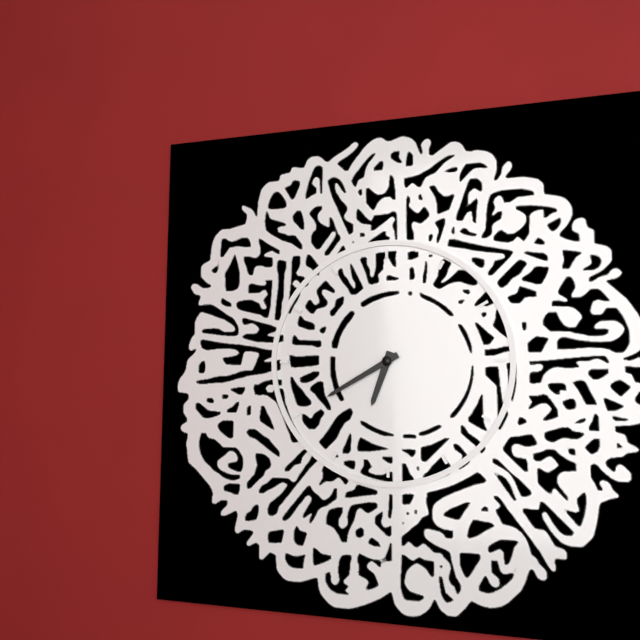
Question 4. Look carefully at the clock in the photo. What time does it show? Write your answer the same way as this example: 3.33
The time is 6.40
